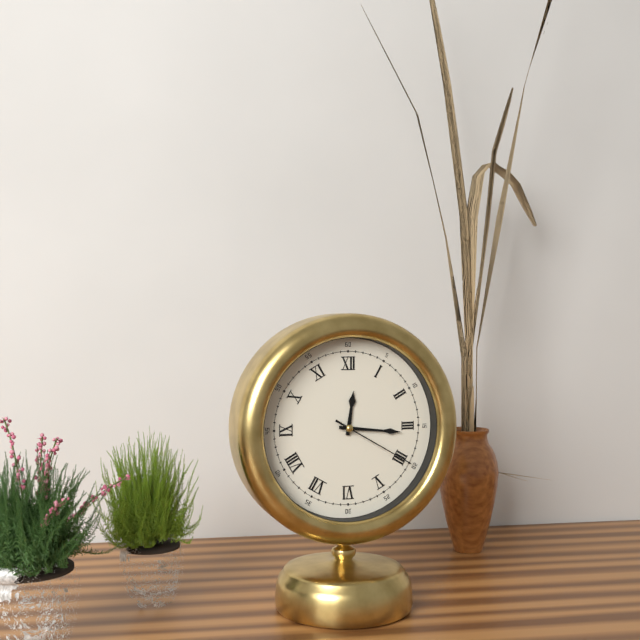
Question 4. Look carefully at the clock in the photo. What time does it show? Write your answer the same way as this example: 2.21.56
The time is 12.16.20
